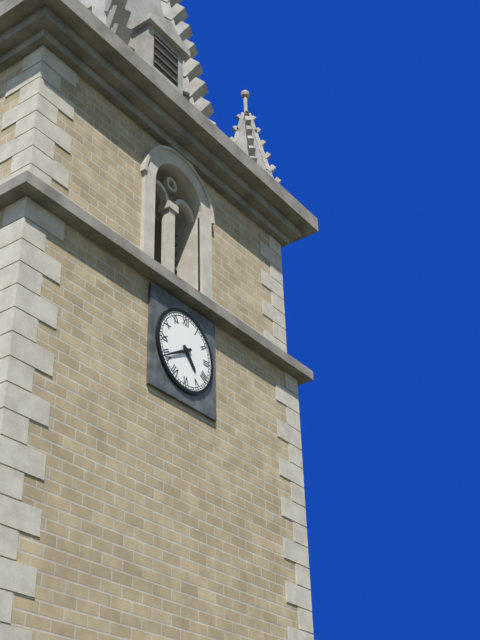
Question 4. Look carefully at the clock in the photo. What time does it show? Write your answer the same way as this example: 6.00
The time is 4.40
